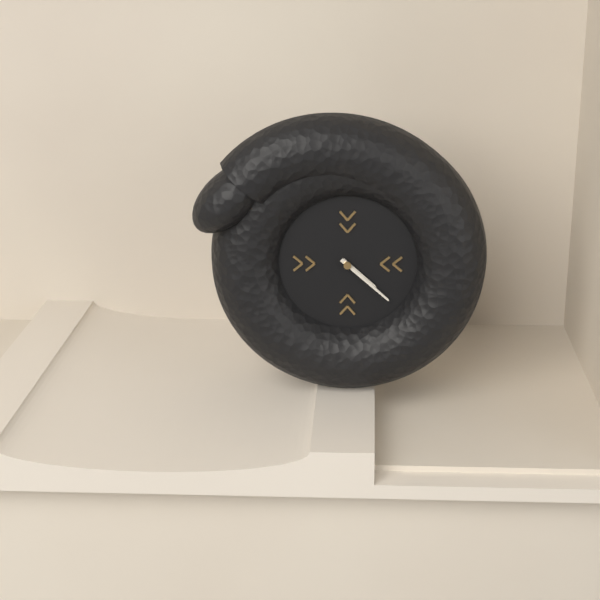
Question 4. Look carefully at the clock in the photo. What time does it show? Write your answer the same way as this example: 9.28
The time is 4.22
